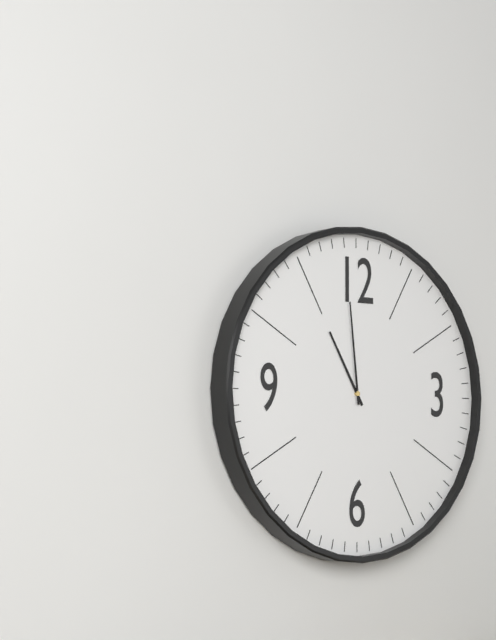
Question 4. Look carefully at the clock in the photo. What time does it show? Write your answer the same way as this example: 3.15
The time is 10.59
